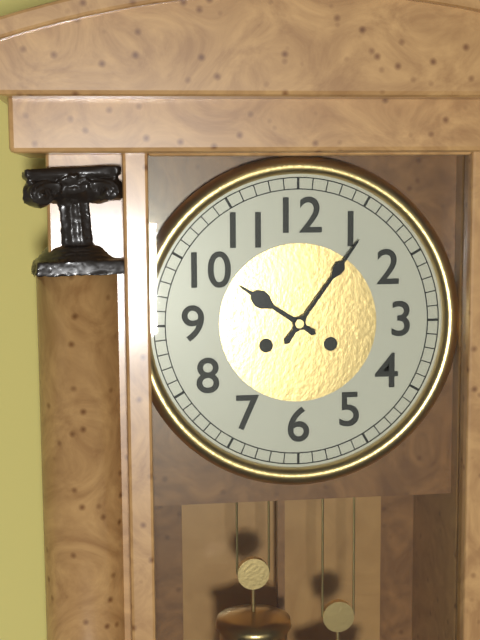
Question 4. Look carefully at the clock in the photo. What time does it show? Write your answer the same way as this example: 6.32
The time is 10.06
